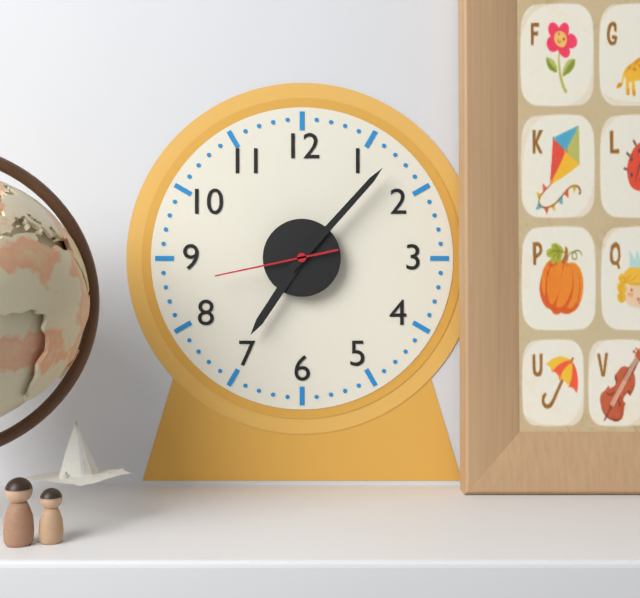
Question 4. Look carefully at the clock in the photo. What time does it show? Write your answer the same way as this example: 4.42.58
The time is 7.07.43
